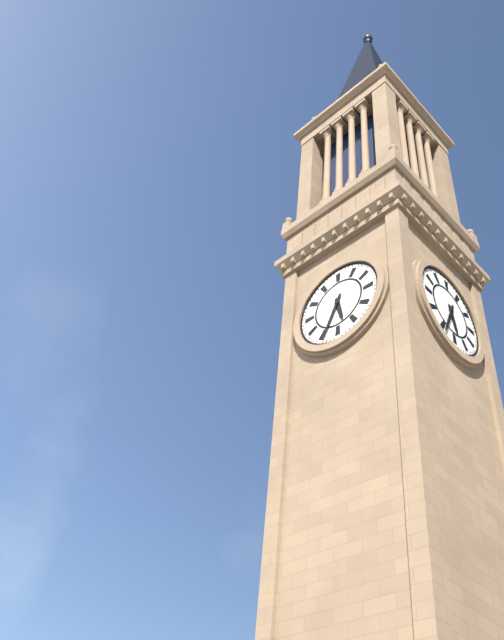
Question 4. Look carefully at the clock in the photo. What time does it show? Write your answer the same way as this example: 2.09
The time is 5.34
